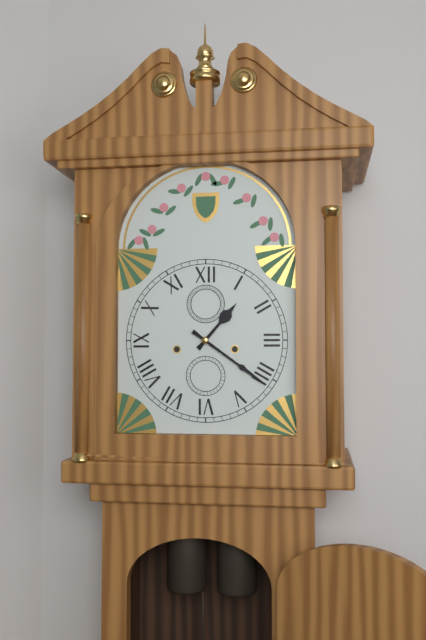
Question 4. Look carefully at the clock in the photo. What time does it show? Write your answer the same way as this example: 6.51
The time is 1.21
